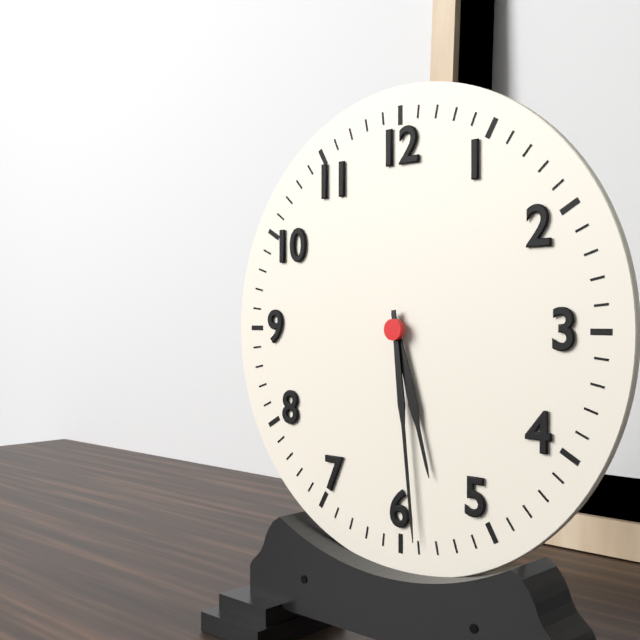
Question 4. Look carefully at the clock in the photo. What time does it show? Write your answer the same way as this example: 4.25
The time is 5.29
